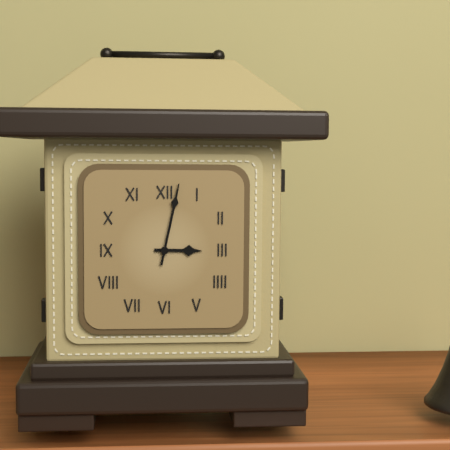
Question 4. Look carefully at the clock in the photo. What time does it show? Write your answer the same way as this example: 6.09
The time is 3.02
